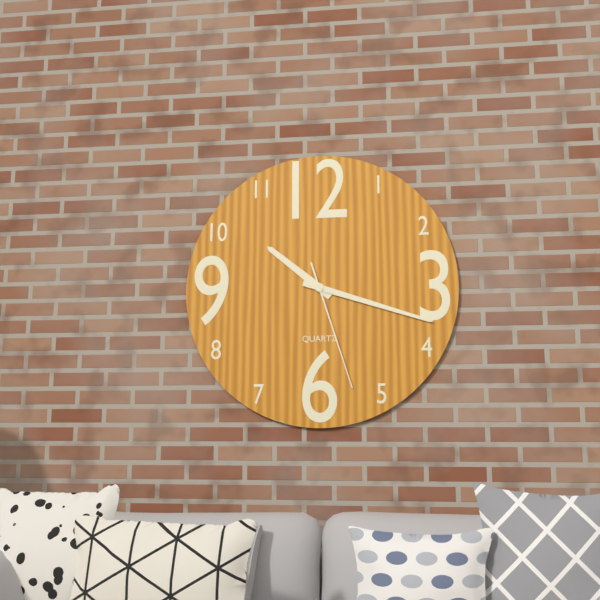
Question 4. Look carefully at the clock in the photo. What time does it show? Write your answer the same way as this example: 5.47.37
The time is 10.18.27
